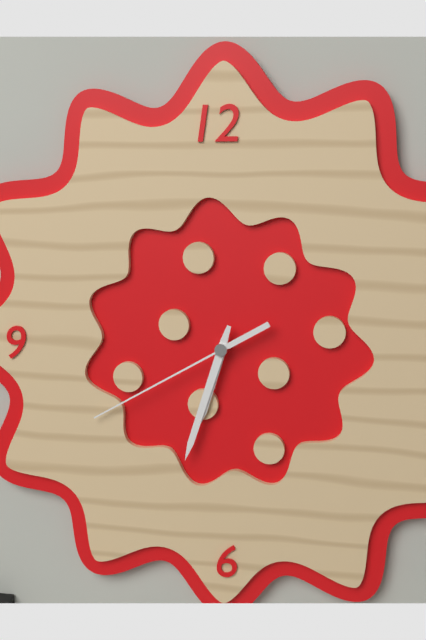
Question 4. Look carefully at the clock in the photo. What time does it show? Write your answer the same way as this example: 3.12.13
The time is 6.33.40
